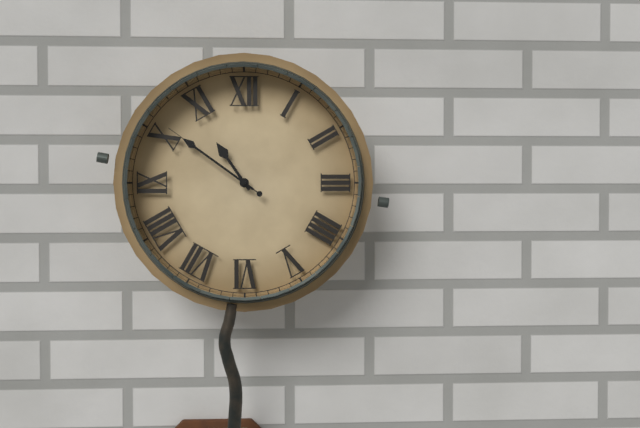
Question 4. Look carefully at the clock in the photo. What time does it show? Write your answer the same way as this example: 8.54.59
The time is 10.51.51
